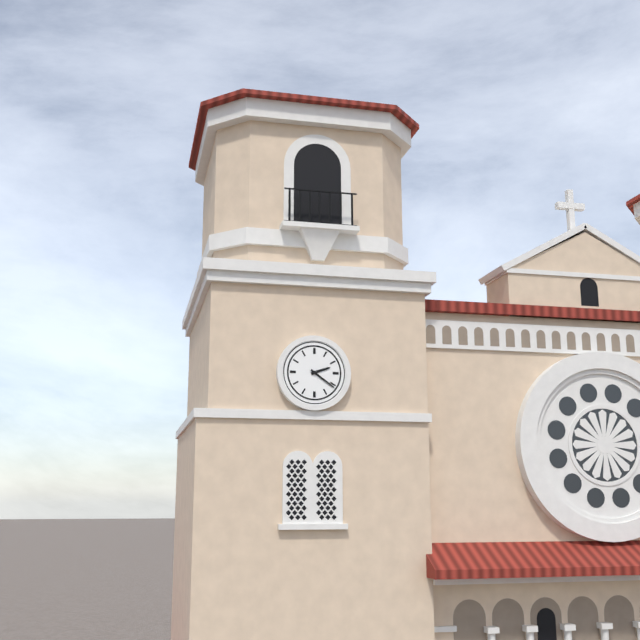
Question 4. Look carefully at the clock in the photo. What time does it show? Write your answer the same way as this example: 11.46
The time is 2.21
